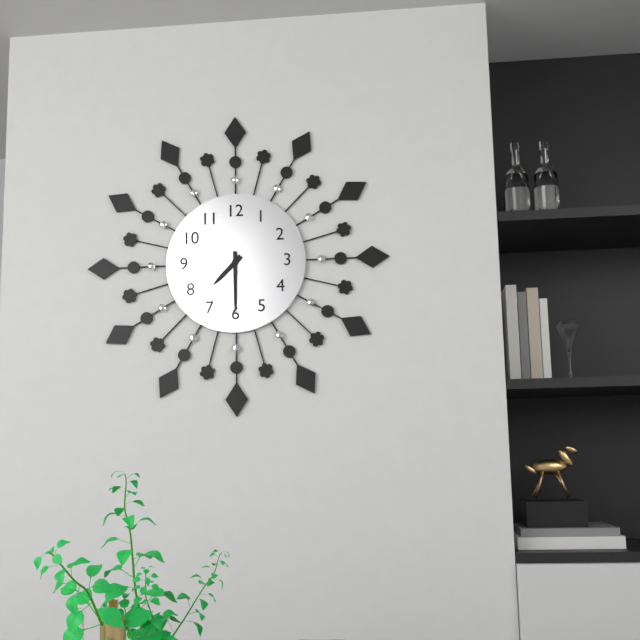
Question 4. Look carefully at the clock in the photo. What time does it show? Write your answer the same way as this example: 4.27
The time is 7.30
